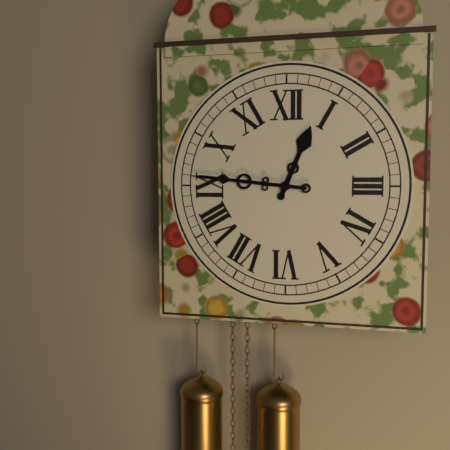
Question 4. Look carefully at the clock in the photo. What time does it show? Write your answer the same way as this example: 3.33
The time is 12.46
